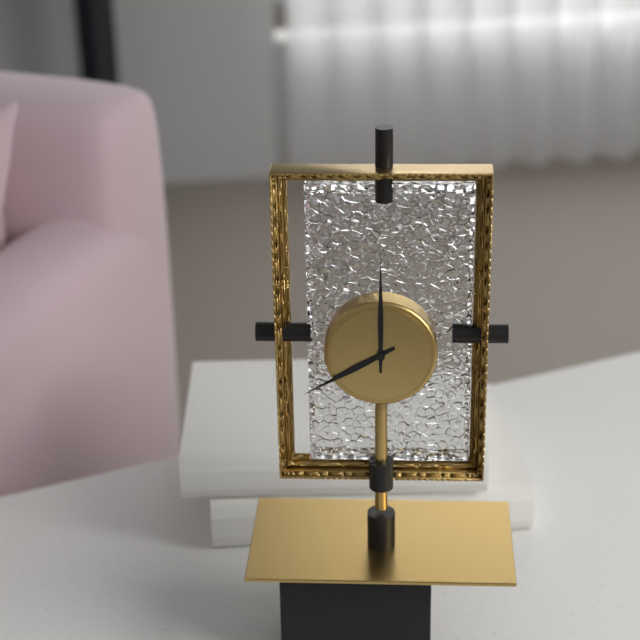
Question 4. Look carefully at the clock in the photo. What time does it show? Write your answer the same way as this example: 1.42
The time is 8.00
